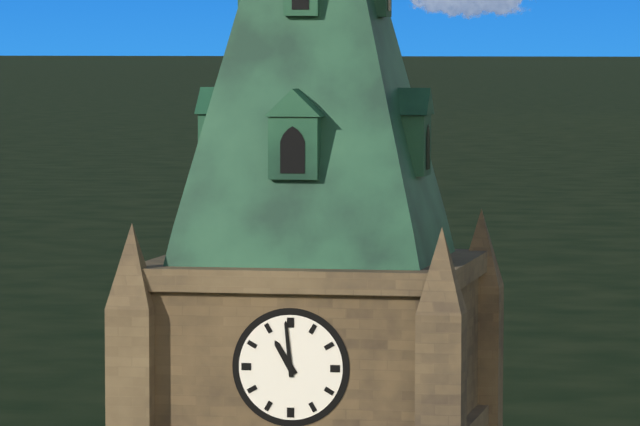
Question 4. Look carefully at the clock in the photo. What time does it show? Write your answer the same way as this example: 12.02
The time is 10.59
